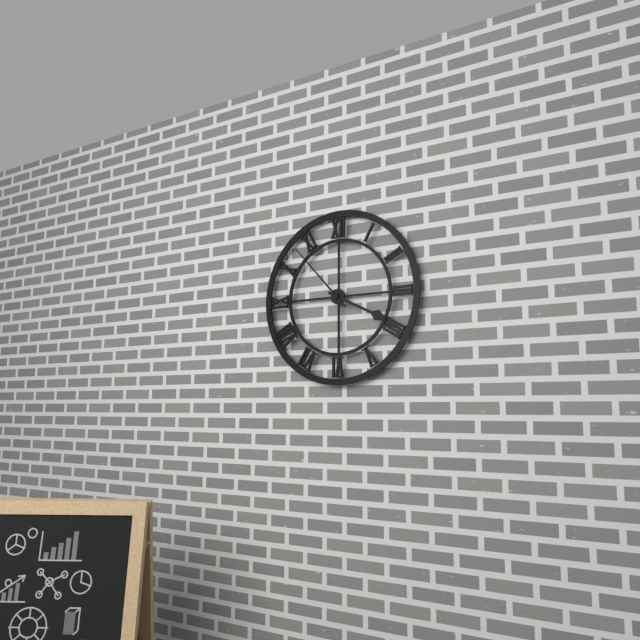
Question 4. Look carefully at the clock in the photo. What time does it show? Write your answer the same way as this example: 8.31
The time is 3.53
